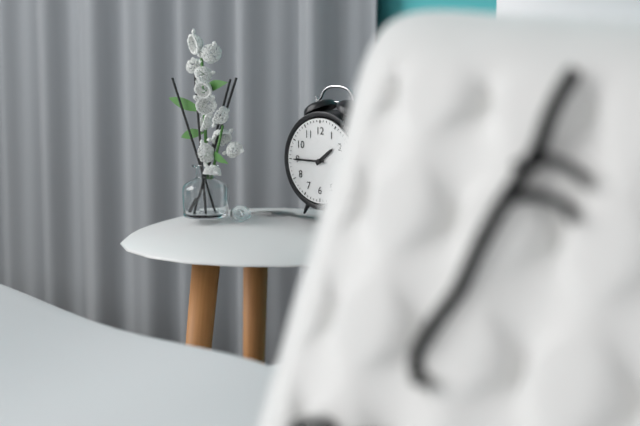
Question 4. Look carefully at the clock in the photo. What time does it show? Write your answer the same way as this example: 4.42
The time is 1.45
